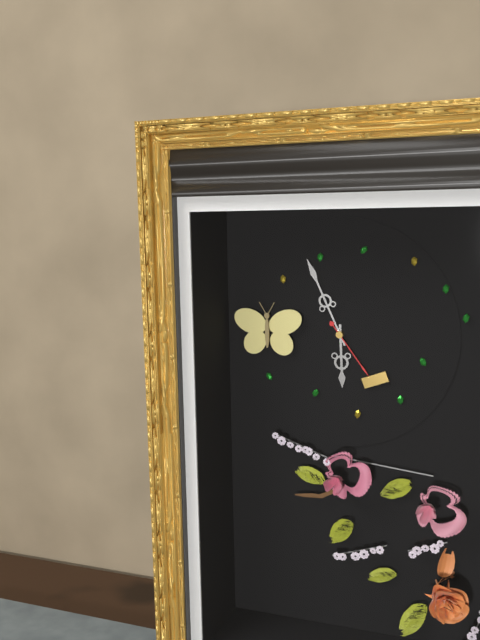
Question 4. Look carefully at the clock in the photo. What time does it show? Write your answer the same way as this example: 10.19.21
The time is 5.56.24
